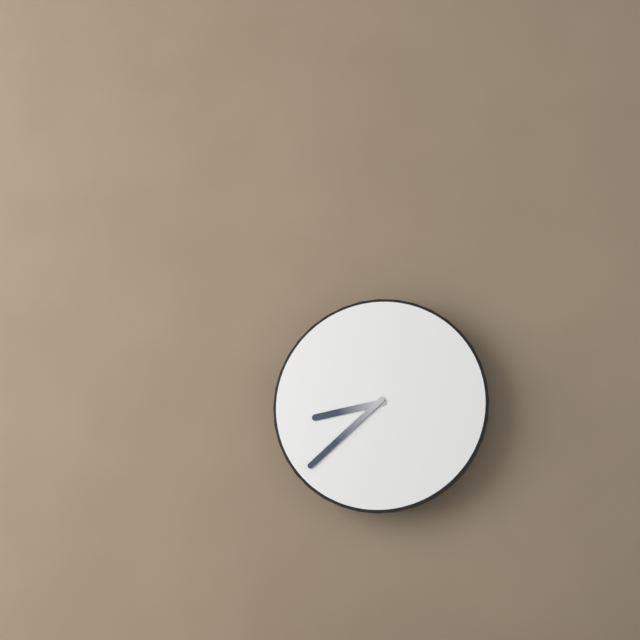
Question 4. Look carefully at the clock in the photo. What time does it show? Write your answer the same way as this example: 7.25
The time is 8.38
